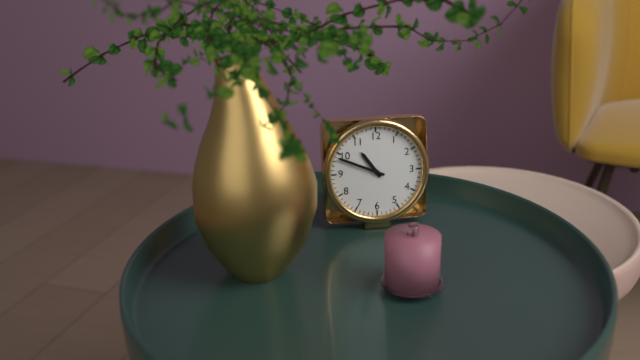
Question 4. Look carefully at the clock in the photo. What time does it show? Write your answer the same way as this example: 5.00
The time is 10.49
